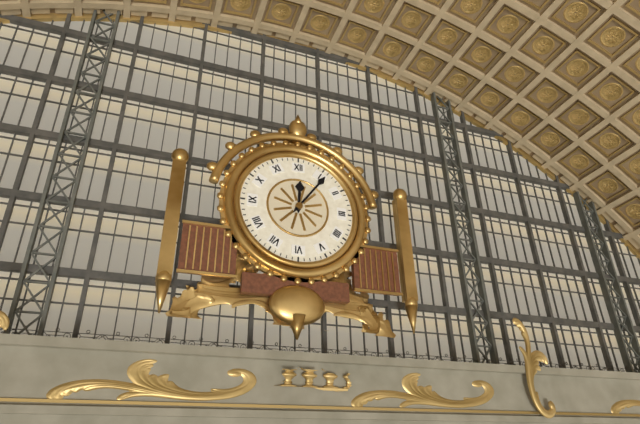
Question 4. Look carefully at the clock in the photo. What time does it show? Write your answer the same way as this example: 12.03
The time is 12.06
